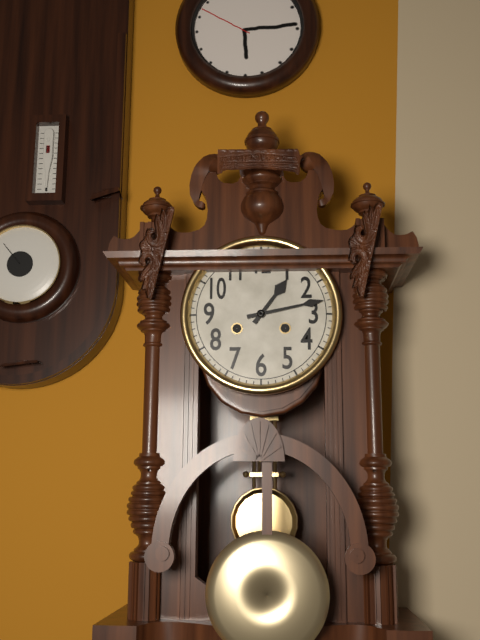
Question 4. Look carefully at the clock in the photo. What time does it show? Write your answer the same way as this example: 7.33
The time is 1.13
